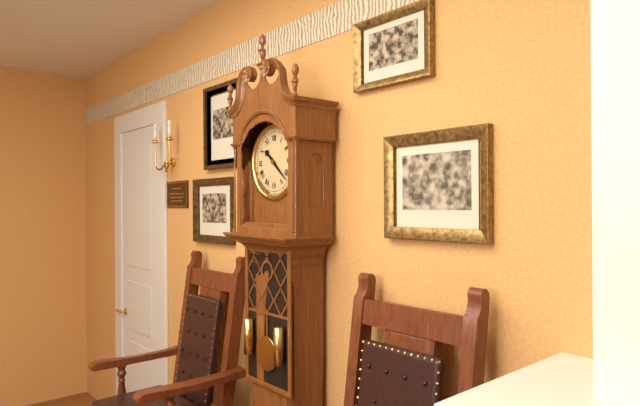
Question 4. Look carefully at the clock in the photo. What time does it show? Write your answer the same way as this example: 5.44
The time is 10.22
